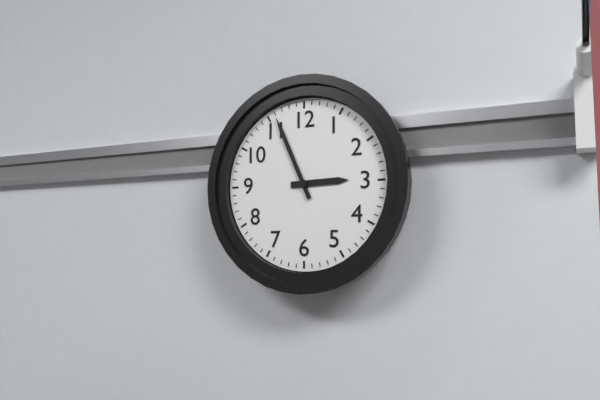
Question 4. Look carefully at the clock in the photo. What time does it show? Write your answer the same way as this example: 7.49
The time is 2.56
